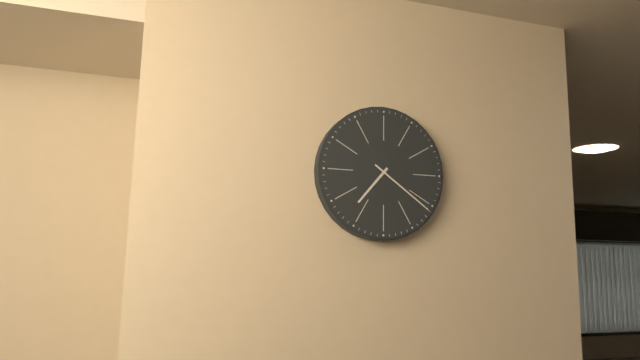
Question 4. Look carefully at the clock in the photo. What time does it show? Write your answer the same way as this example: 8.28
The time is 7.21
